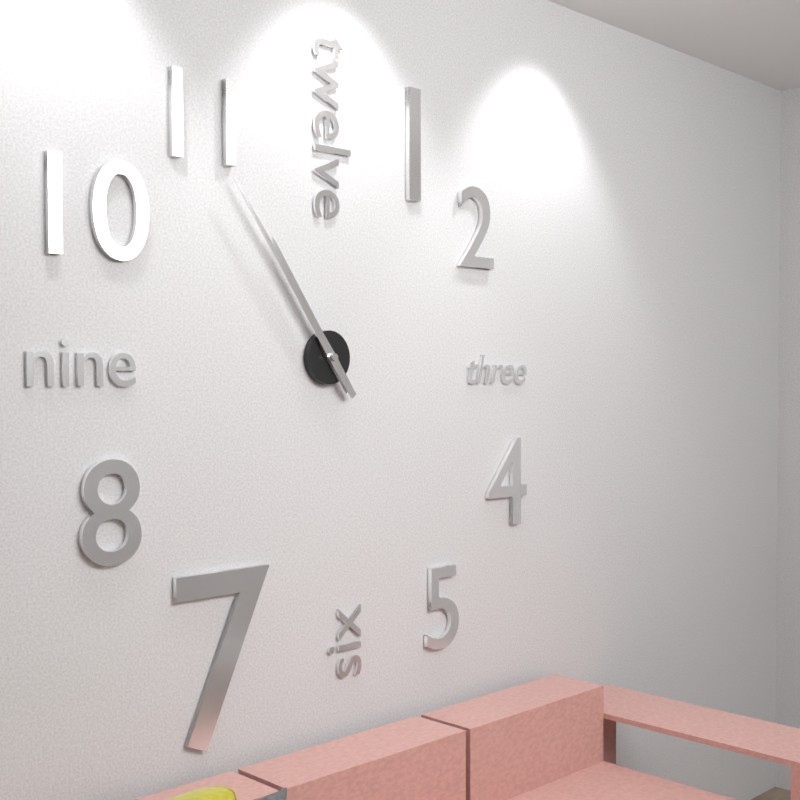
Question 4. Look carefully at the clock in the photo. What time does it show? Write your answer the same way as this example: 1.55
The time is 10.54
